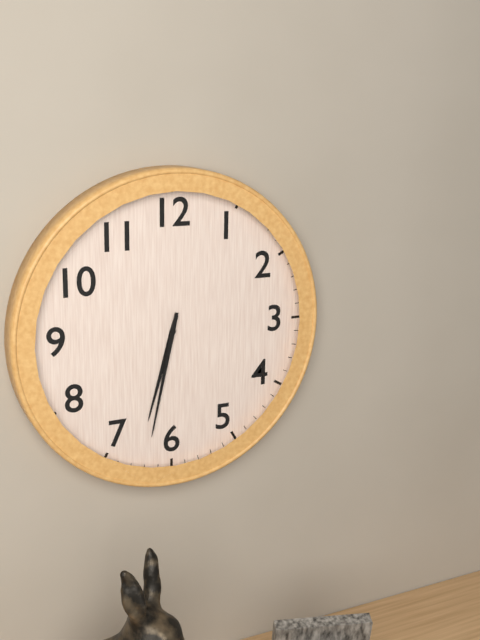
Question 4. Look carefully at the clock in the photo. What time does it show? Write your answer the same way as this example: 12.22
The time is 6.32
